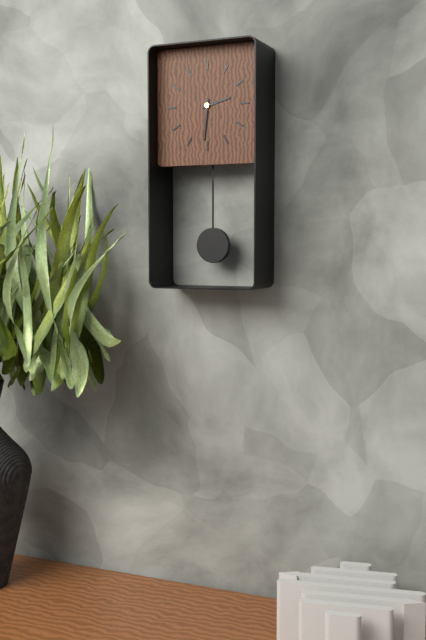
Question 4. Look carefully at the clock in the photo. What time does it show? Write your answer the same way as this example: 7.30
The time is 2.31
